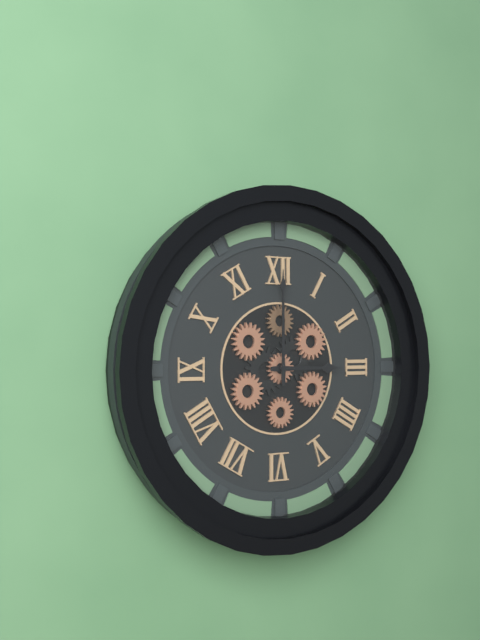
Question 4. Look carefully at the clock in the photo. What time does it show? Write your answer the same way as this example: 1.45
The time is 3.00
